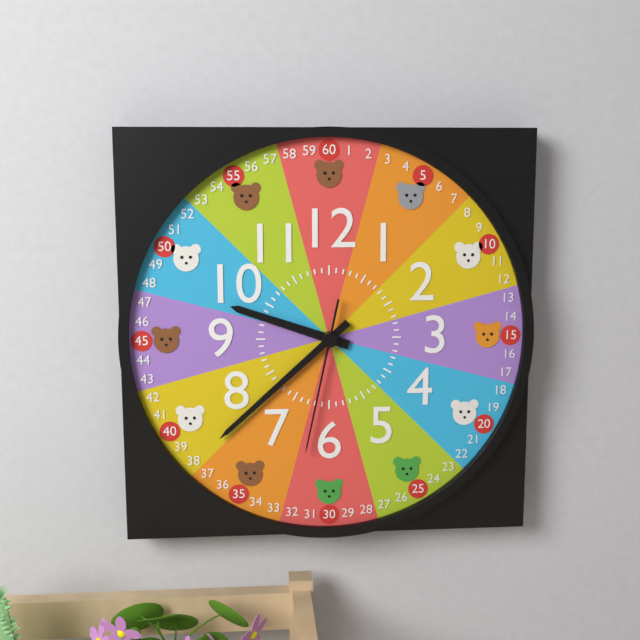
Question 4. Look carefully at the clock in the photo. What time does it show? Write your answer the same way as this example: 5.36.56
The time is 9.38.32
